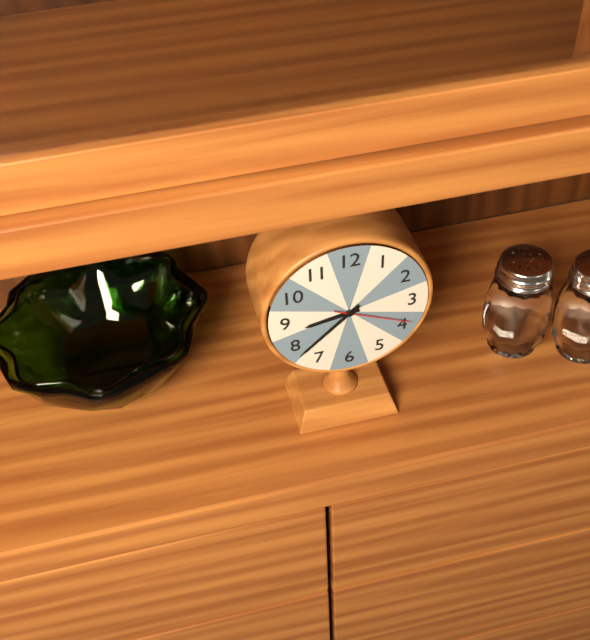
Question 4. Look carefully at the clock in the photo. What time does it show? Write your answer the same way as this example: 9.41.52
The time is 8.38.19
